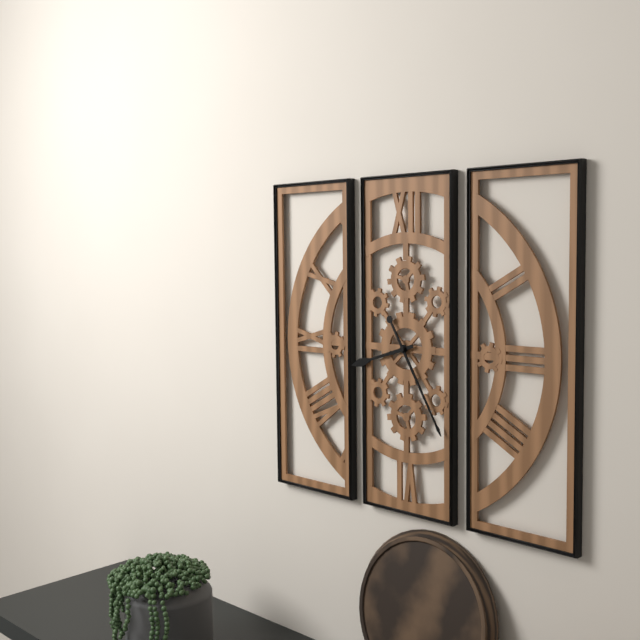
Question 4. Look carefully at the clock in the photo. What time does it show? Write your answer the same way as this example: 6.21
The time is 8.25
